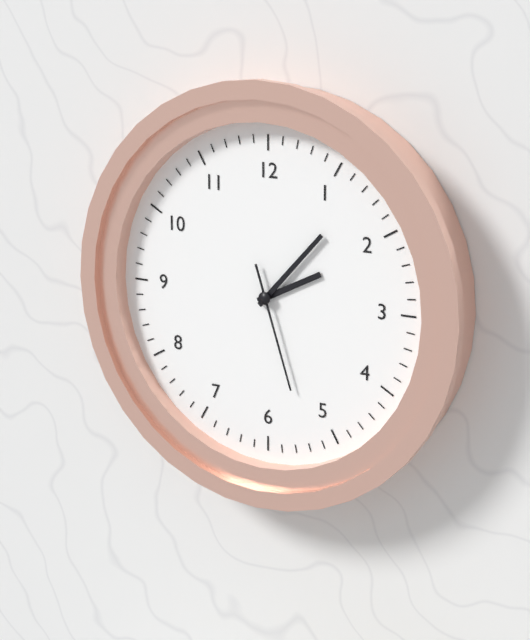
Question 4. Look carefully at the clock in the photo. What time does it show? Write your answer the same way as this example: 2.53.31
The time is 2.07.27
